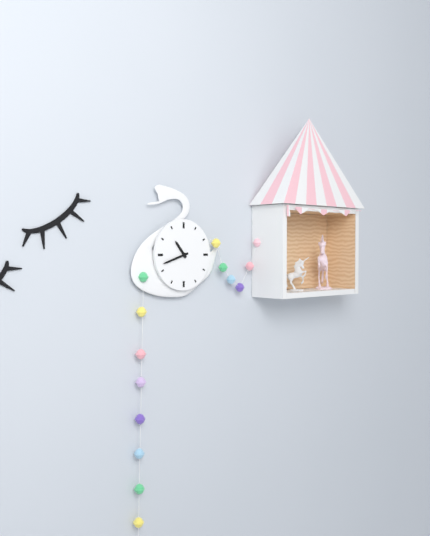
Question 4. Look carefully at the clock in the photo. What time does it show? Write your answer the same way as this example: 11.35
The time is 10.42
